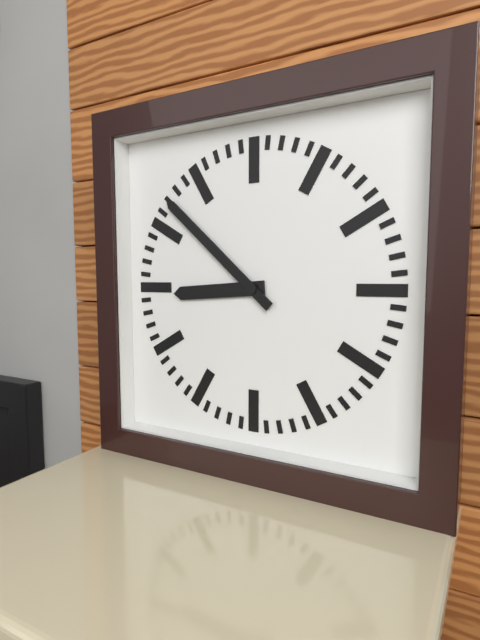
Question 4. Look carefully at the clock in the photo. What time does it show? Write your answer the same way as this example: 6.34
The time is 8.52
